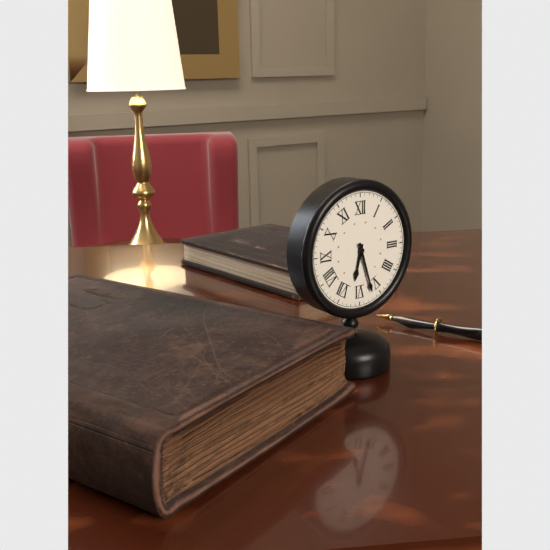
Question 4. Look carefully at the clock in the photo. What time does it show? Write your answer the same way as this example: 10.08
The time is 6.27
